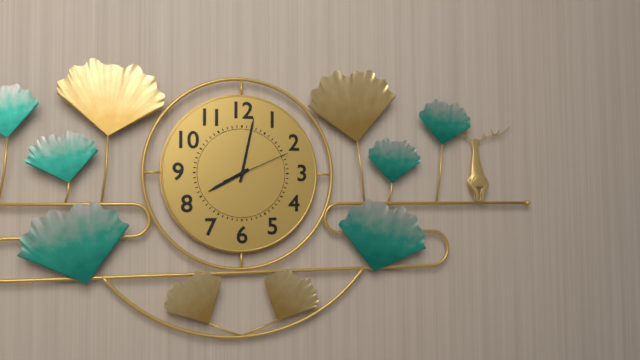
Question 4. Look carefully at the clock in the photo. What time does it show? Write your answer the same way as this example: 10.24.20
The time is 8.02.11
